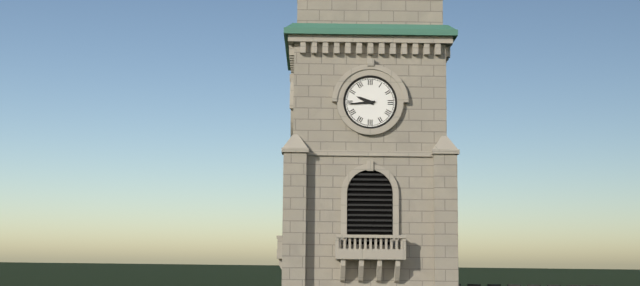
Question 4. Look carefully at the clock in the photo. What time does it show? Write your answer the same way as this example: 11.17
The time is 9.44
